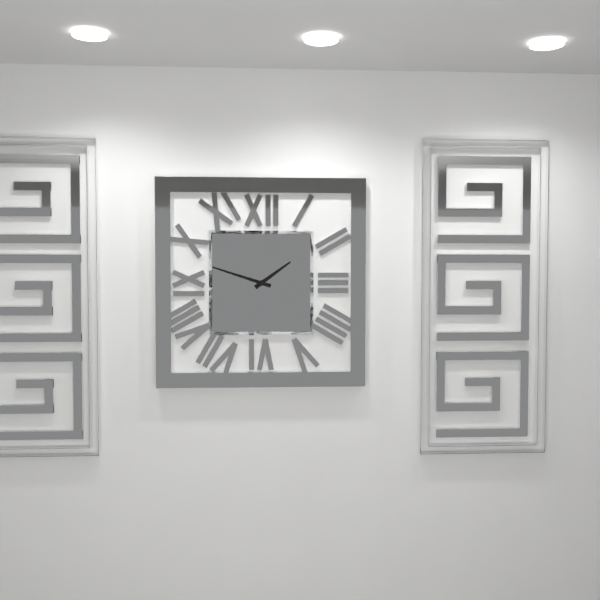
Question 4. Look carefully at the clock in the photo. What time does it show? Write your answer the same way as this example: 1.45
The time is 1.48
